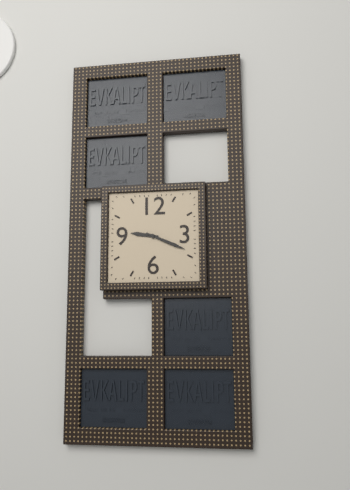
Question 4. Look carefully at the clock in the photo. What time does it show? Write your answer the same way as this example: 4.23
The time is 9.19
